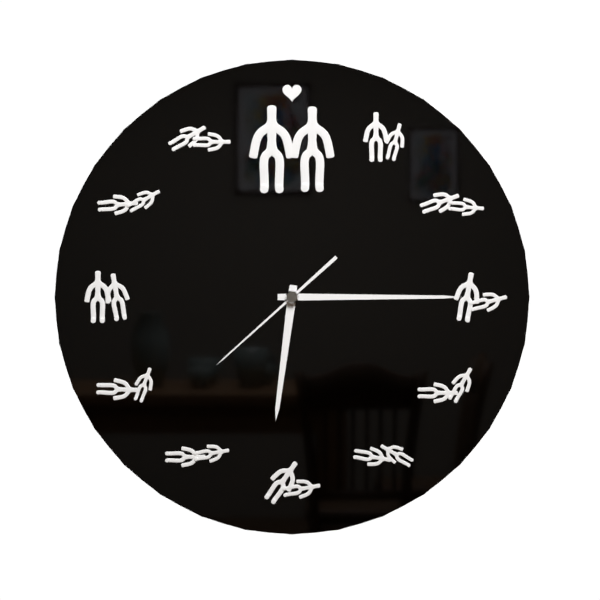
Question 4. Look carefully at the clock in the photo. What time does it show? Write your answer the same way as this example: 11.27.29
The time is 6.15.38
